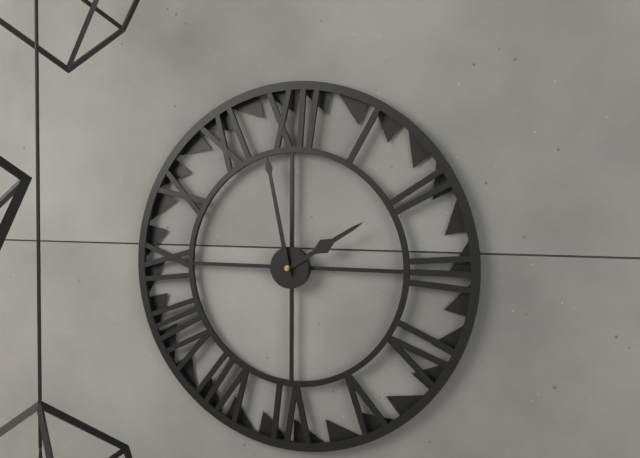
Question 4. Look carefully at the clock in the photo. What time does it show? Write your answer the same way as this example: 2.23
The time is 1.58
